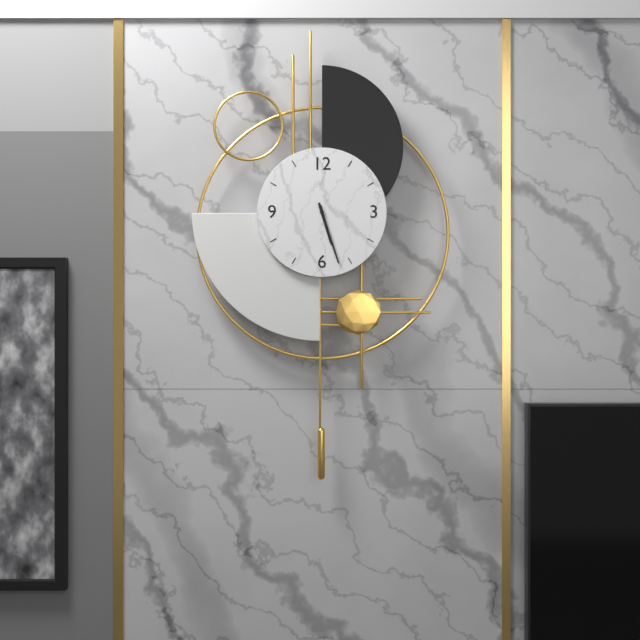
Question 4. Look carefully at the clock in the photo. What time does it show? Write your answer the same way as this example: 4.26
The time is 5.27
